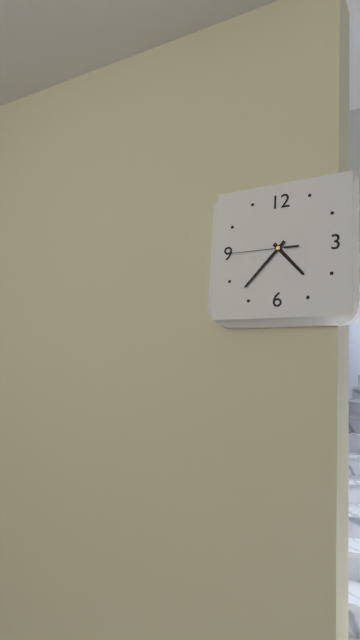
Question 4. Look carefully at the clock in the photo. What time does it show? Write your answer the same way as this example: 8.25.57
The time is 4.37.45
